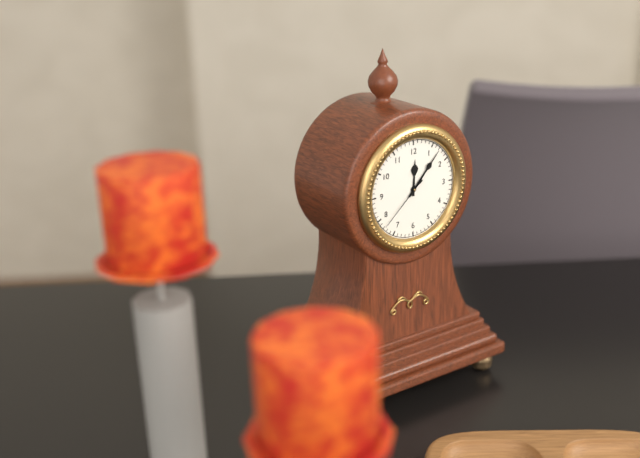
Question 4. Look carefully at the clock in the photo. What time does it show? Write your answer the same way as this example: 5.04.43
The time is 12.07.38
